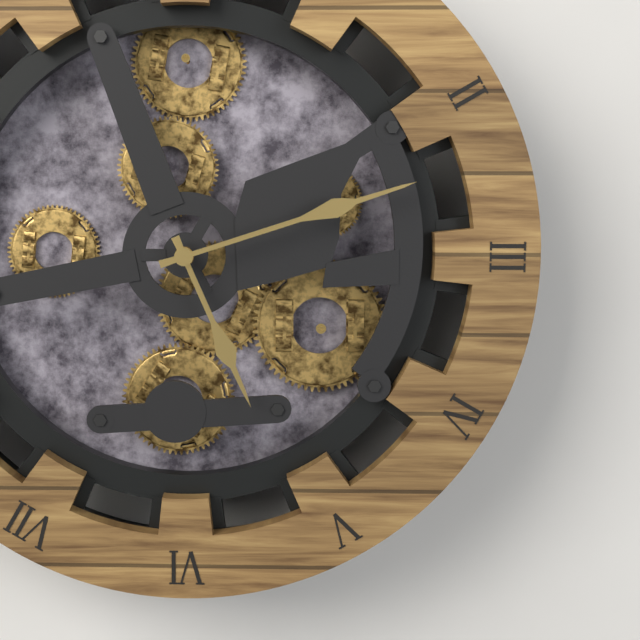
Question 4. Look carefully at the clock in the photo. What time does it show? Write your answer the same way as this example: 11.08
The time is 5.12
